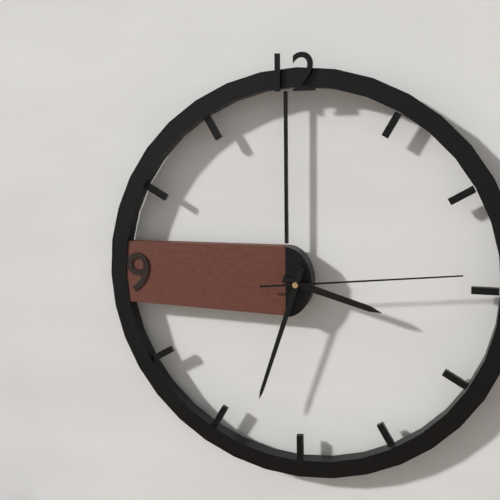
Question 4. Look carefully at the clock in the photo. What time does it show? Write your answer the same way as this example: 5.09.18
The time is 3.33.14
